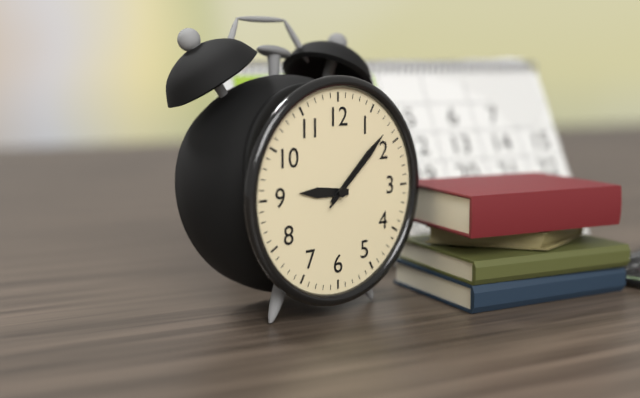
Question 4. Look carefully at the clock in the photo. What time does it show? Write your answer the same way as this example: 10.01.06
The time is 9.08.08
